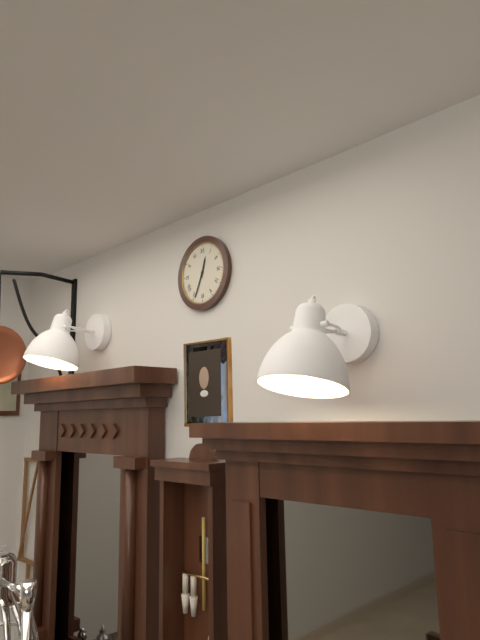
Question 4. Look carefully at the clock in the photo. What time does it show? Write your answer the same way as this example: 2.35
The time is 12.34
